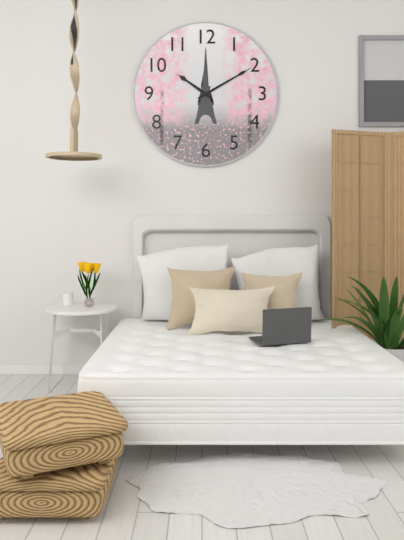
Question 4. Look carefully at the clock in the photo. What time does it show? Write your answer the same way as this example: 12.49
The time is 10.10
